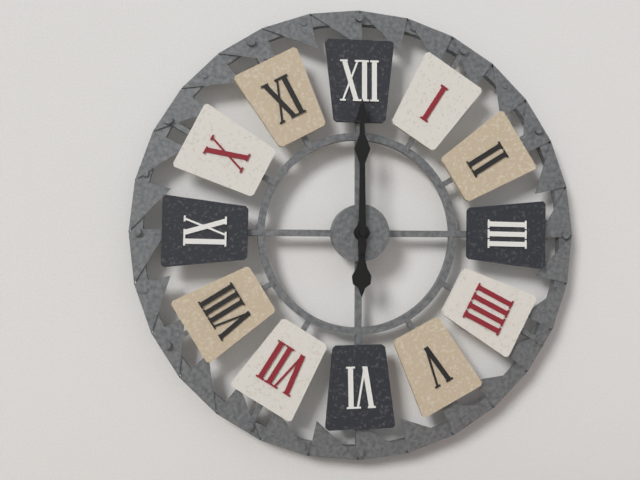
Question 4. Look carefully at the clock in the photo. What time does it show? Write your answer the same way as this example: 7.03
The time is 6.00
